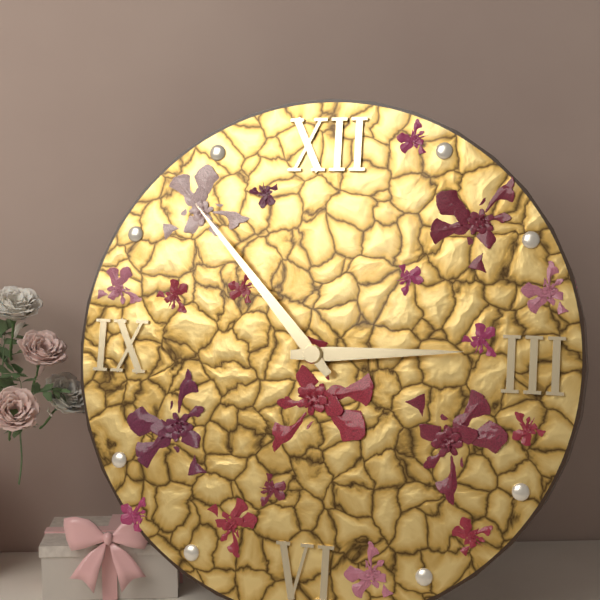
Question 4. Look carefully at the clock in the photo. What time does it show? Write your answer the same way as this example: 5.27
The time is 2.53
